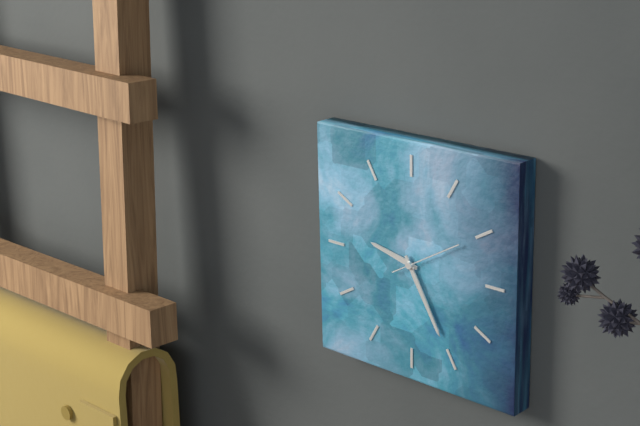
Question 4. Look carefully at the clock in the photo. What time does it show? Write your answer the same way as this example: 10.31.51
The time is 9.25.10
